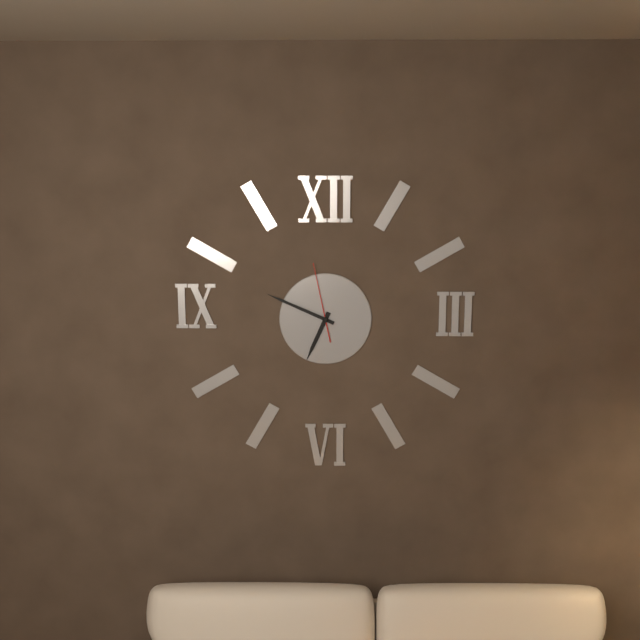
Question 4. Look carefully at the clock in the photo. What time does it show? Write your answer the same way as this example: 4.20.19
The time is 6.49.58
